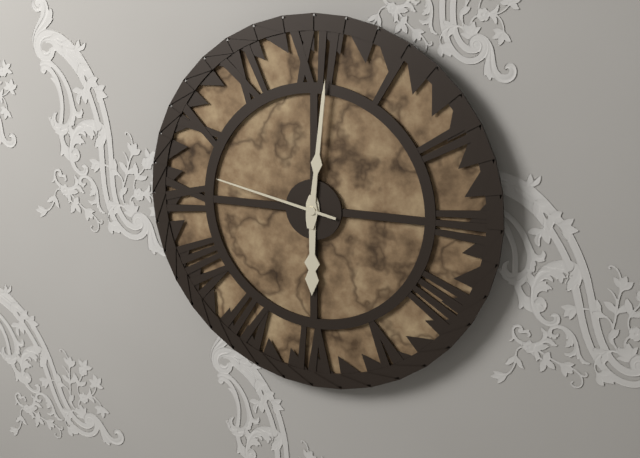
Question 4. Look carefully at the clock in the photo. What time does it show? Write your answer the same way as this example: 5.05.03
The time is 6.01.47
